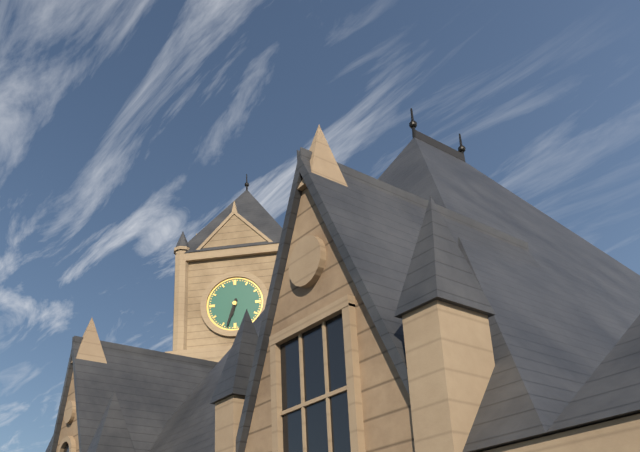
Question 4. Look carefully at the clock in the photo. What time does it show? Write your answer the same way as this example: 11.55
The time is 6.33
